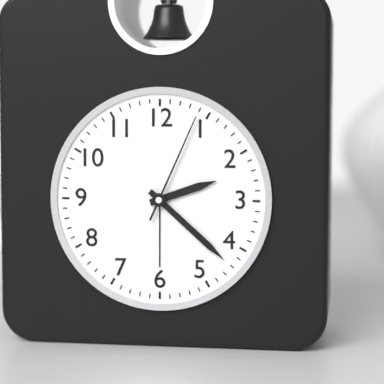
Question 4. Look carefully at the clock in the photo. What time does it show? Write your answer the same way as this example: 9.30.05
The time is 2.22.04
